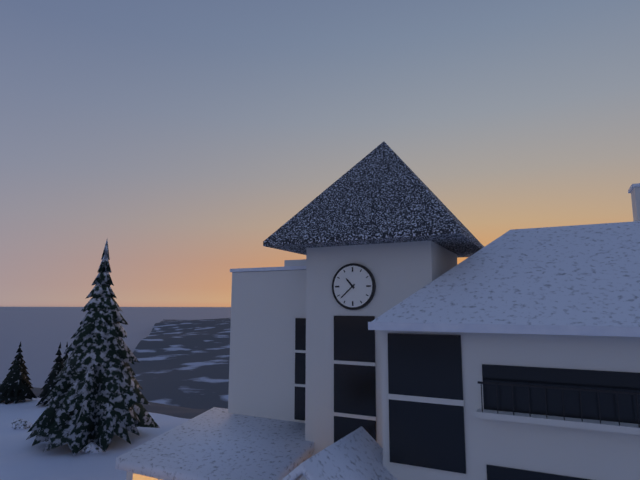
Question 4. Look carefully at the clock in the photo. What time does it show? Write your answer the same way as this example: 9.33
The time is 10.38
